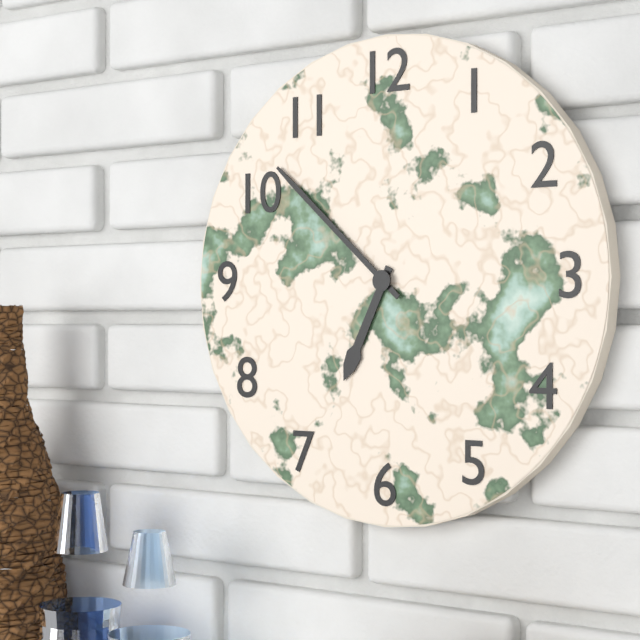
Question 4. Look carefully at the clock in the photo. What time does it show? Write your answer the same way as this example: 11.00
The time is 6.52
